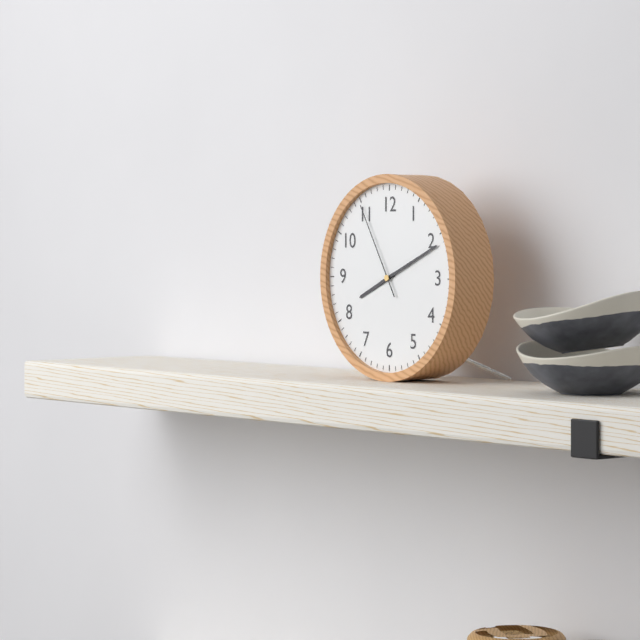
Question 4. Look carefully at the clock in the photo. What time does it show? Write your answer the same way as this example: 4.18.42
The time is 8.11.55
